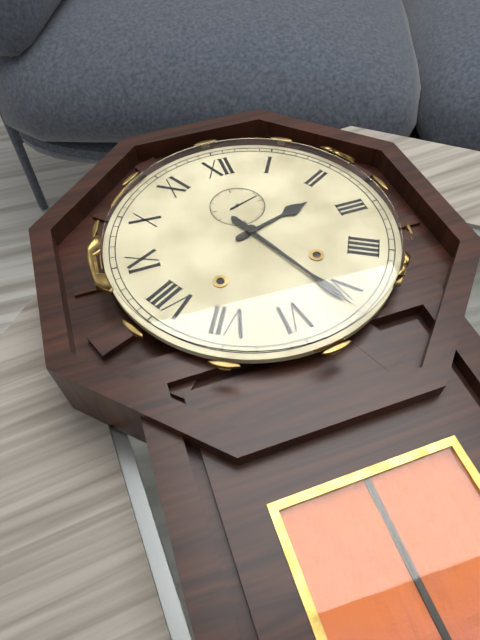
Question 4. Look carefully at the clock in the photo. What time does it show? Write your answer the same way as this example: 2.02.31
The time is 2.26.12
